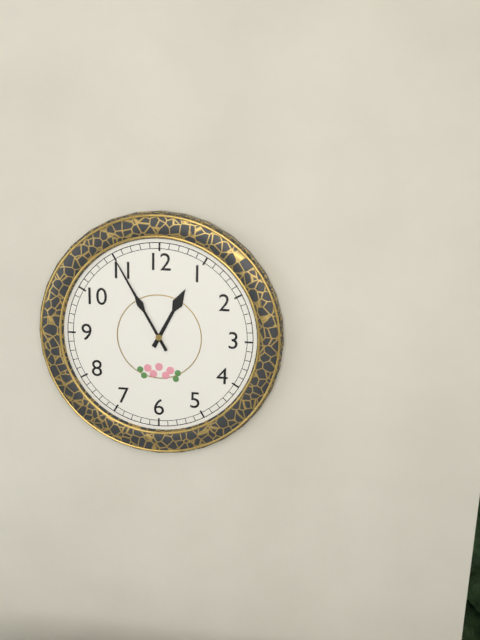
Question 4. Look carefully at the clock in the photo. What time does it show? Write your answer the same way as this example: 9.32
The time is 12.55
